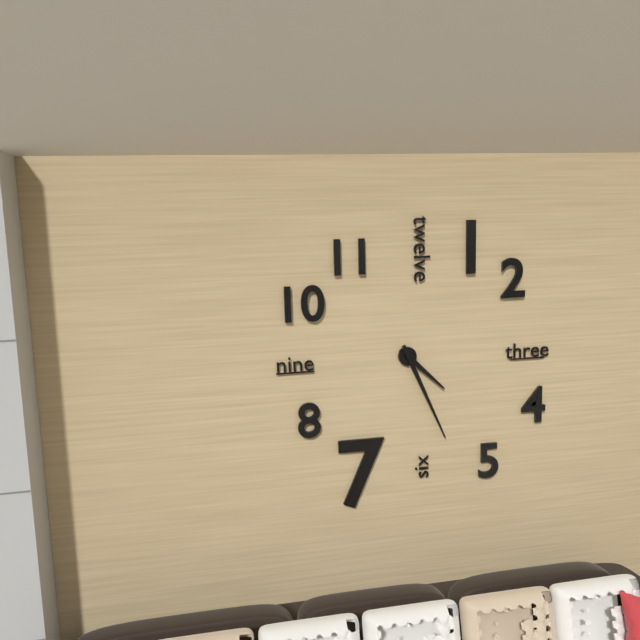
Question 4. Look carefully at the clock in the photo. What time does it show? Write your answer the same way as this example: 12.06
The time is 4.26
